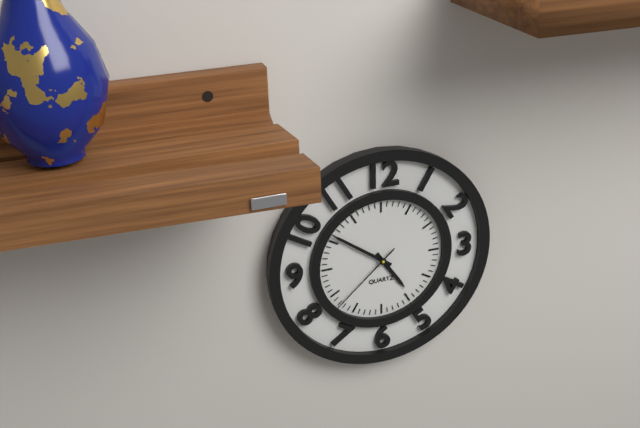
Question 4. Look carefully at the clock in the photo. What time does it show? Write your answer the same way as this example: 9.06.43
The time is 4.51.38
